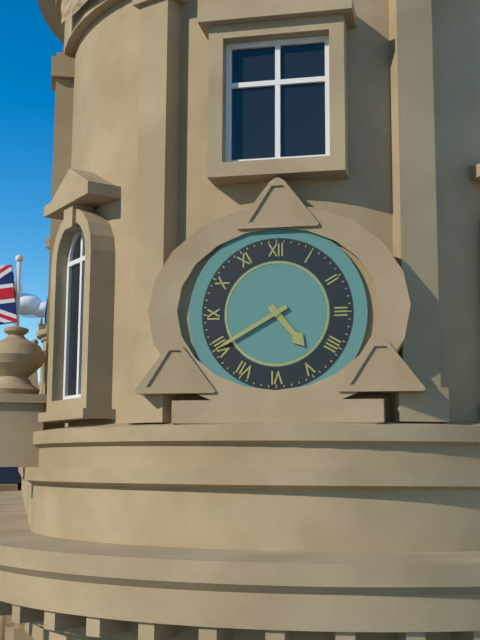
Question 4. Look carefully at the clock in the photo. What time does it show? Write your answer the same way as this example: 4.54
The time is 4.40
